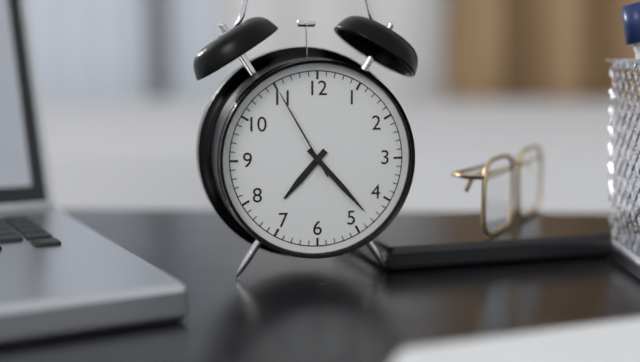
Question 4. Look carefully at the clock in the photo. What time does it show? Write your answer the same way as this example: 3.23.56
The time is 7.23.55
